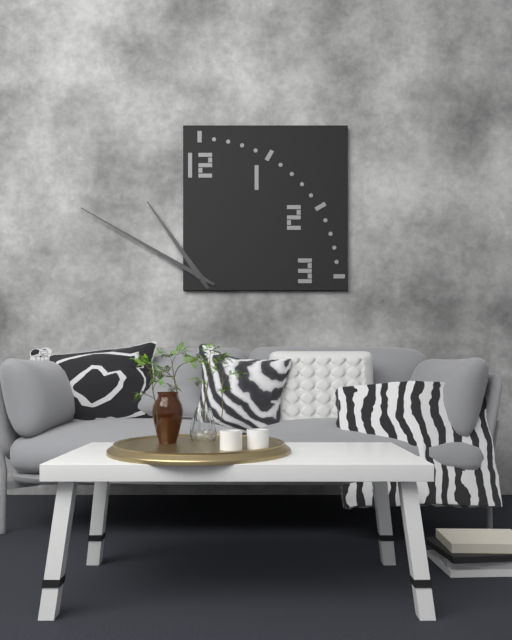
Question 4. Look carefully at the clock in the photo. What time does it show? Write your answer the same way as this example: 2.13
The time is 10.50
